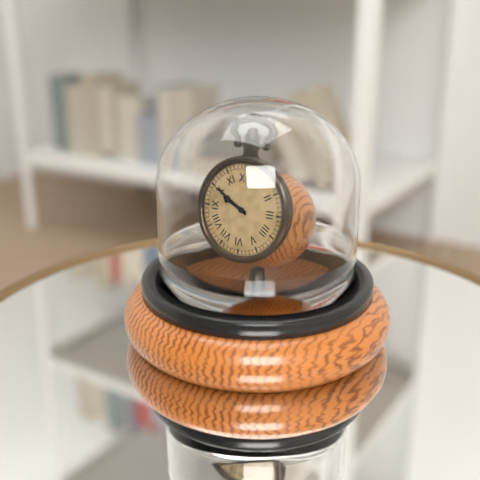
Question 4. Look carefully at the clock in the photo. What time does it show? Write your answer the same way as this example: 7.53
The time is 9.50
